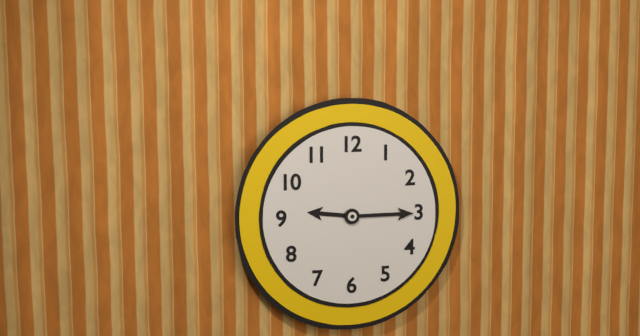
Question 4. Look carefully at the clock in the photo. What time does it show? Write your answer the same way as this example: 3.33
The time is 9.15
